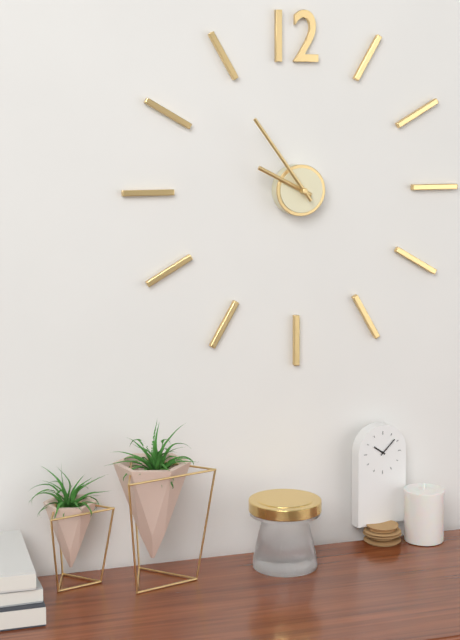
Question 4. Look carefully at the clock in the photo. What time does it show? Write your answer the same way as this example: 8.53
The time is 9.54
